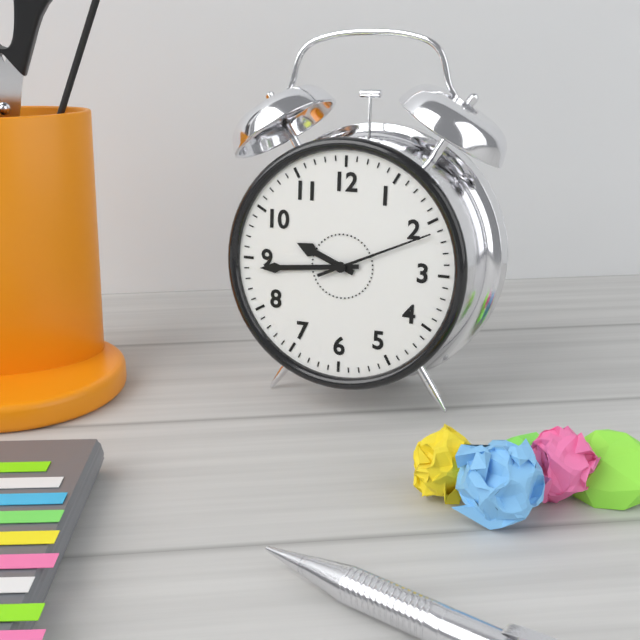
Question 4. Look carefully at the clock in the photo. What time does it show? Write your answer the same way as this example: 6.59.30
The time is 9.44.11
